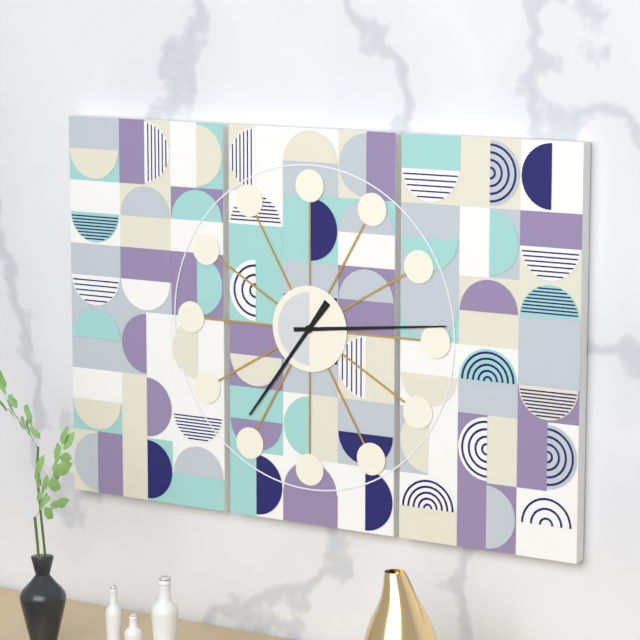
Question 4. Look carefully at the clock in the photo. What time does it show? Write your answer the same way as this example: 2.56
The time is 7.14
